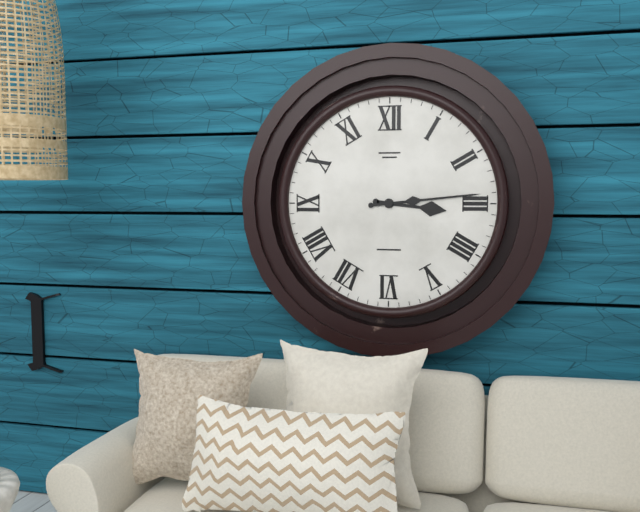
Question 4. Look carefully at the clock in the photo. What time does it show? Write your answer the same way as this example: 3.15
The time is 3.14
